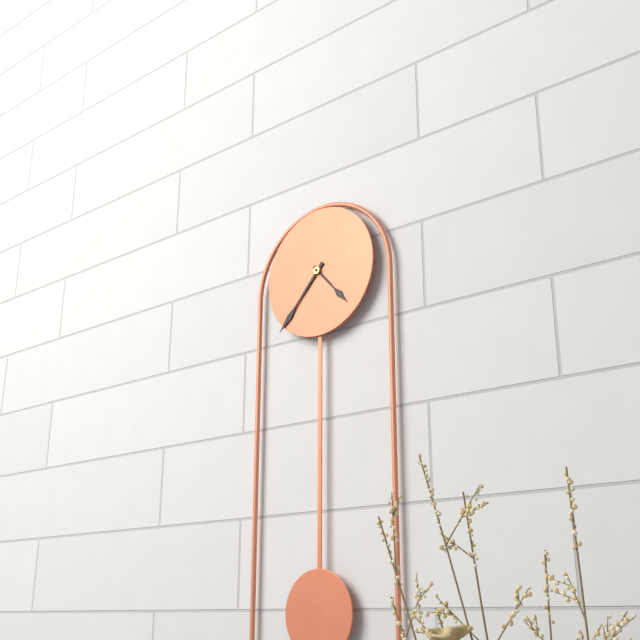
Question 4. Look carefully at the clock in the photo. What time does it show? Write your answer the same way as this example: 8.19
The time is 4.37
